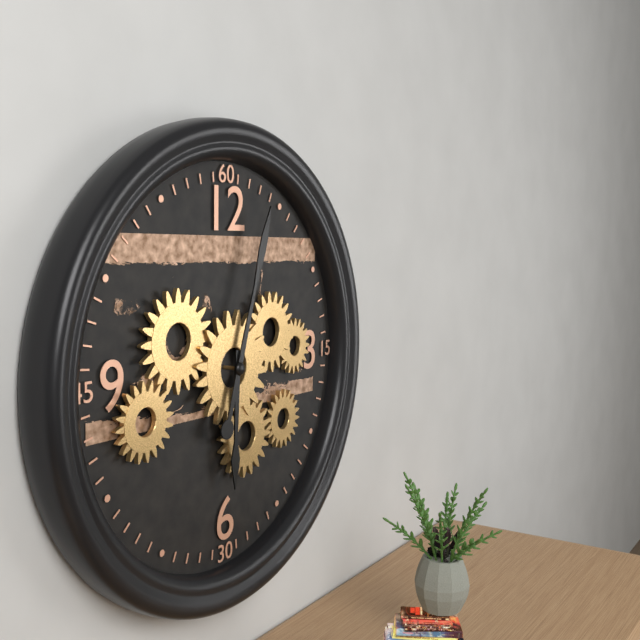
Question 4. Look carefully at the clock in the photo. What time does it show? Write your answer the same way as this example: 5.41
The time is 6.03
